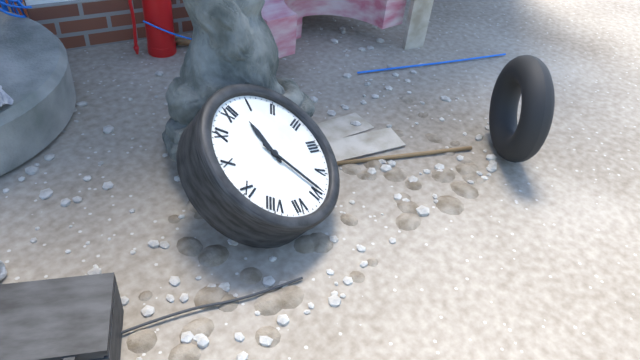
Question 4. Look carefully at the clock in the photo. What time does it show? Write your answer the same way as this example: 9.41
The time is 12.29
